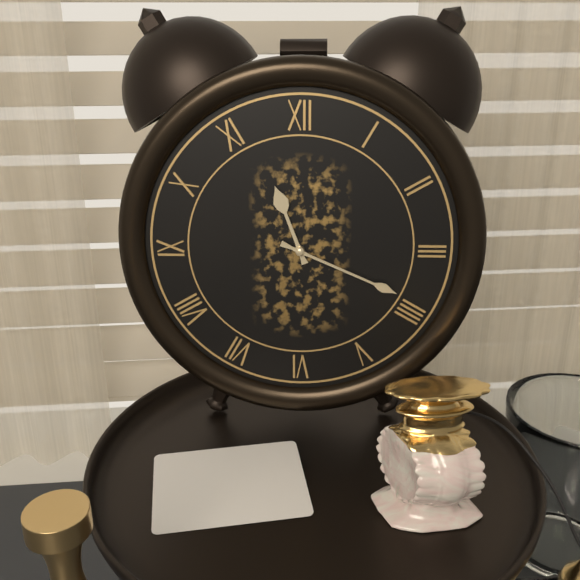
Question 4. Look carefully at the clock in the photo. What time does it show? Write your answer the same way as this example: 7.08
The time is 11.19
